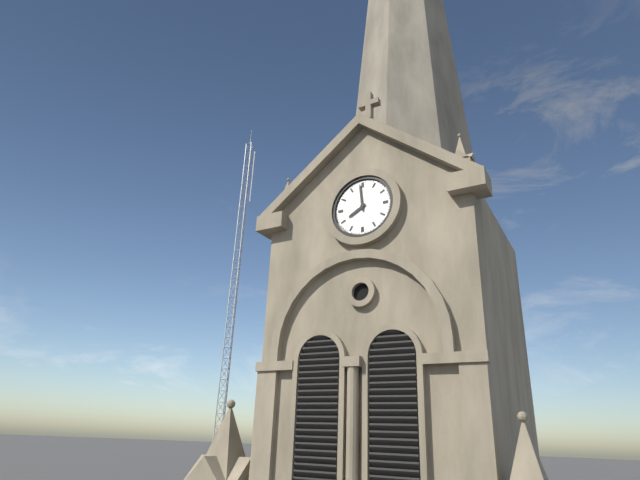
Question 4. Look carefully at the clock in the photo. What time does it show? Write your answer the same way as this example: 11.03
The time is 7.59
